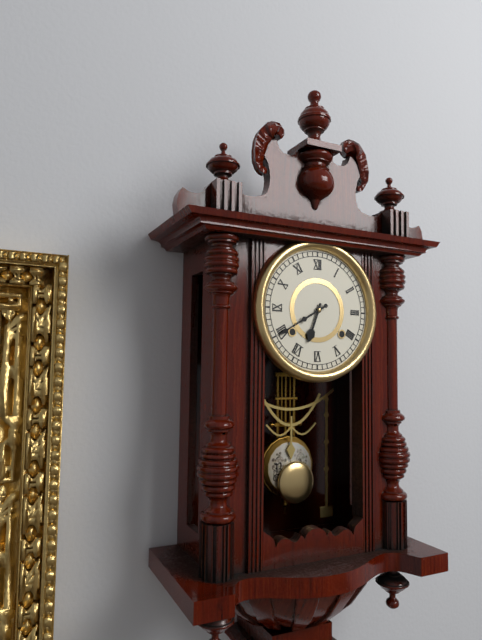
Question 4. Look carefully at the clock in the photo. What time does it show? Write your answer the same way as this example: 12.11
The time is 6.40
